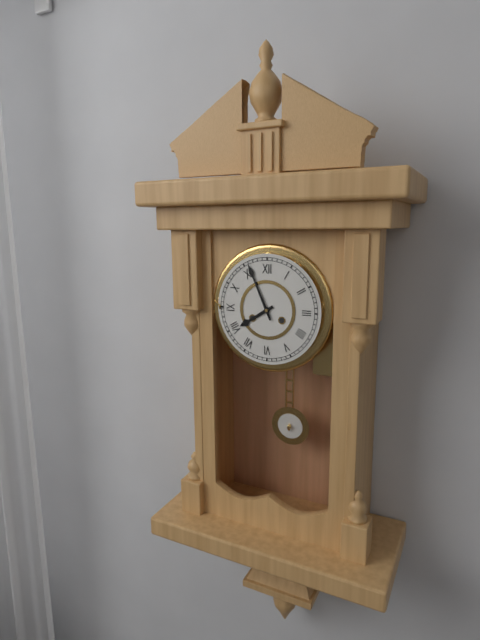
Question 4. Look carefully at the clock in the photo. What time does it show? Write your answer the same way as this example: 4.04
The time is 7.56
